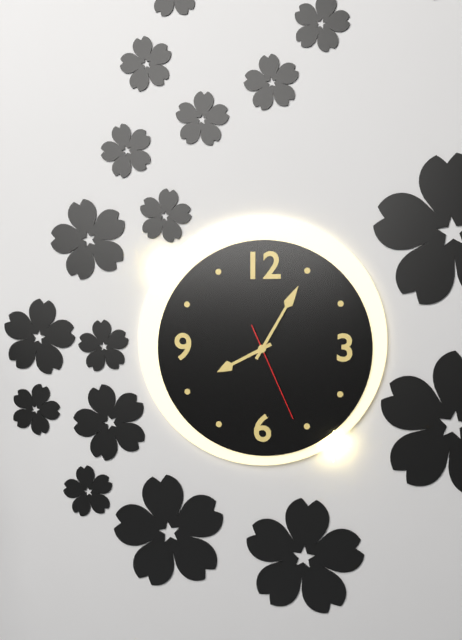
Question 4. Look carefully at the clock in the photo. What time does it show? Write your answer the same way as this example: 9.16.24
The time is 8.05.26
